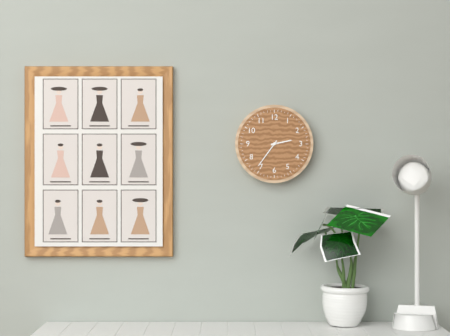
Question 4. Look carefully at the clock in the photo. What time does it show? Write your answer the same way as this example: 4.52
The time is 2.36
